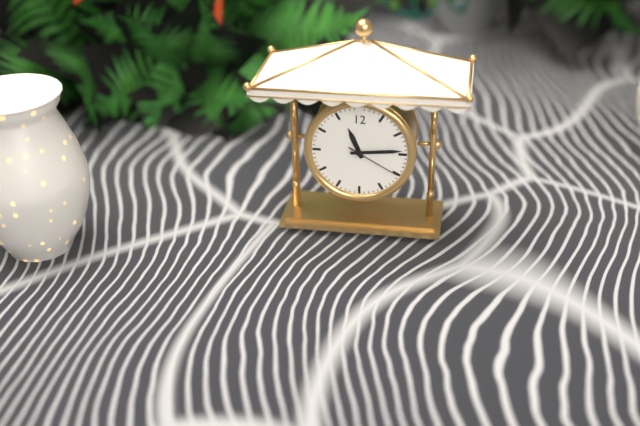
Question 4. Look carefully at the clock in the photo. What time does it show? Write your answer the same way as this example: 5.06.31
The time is 11.14.20
